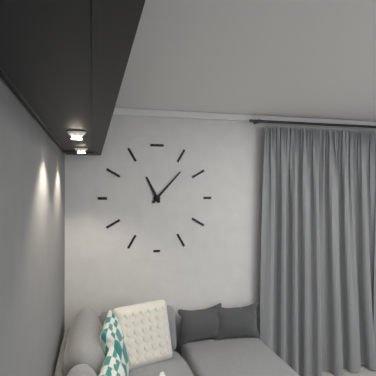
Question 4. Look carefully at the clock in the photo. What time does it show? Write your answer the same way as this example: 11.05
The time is 11.07
